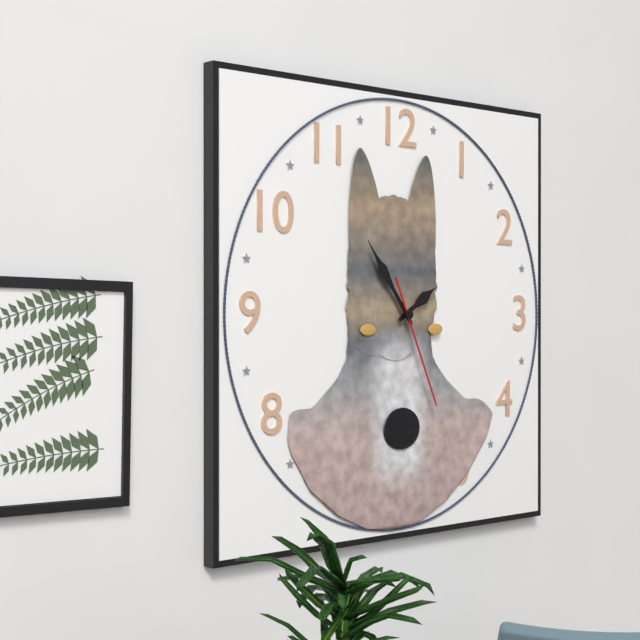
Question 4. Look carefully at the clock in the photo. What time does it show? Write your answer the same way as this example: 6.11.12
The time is 1.54.26
